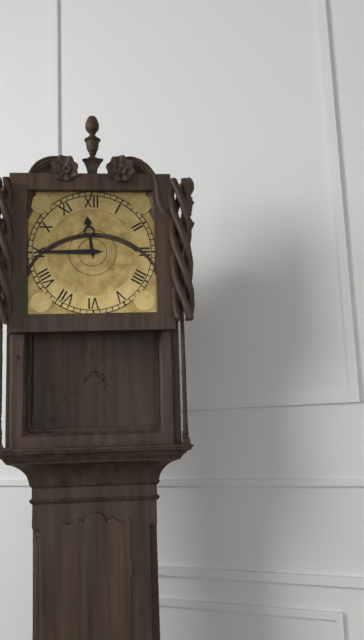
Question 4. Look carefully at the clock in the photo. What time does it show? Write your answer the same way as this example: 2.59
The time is 11.45
